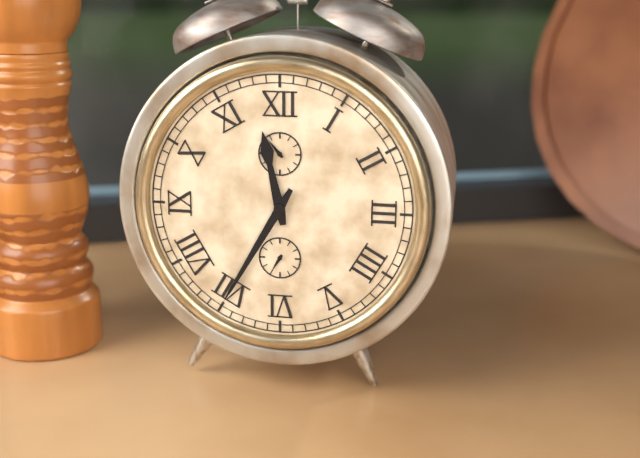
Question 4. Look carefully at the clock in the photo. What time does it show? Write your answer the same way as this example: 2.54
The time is 11.35
